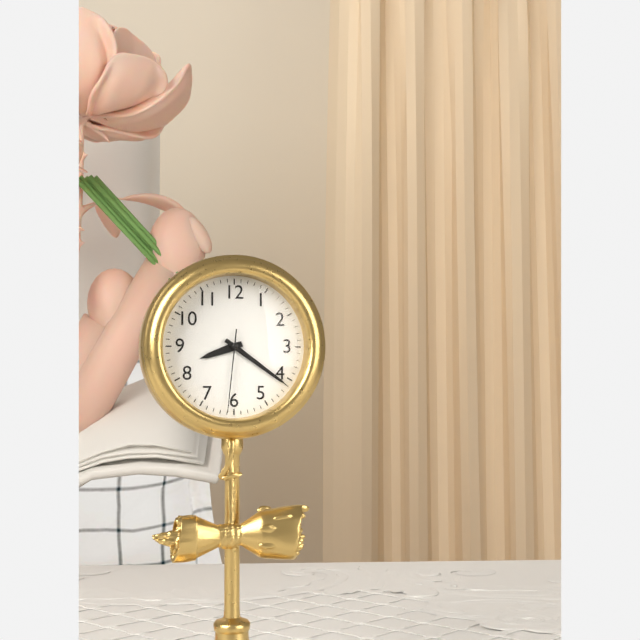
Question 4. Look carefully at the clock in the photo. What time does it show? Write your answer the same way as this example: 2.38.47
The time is 8.21.31
